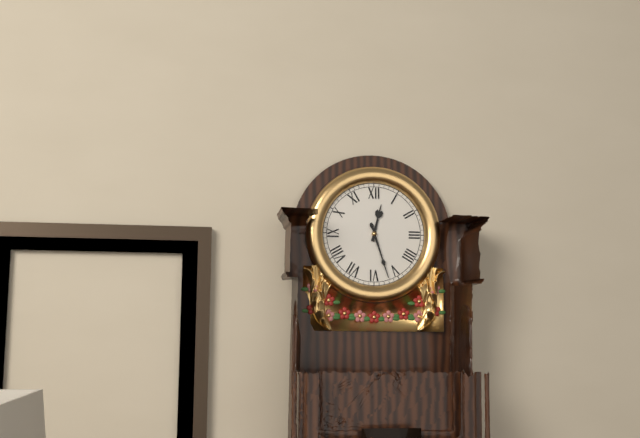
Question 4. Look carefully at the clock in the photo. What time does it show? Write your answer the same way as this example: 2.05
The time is 12.27
